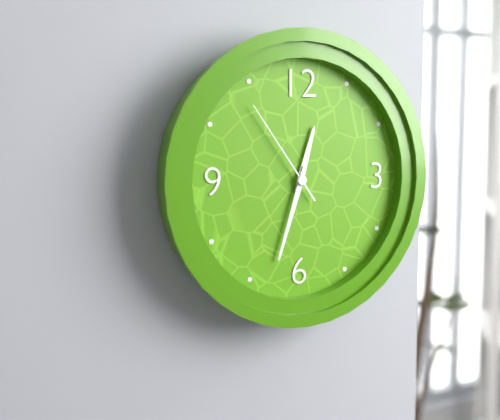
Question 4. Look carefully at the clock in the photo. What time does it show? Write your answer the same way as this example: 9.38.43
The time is 12.33.54
